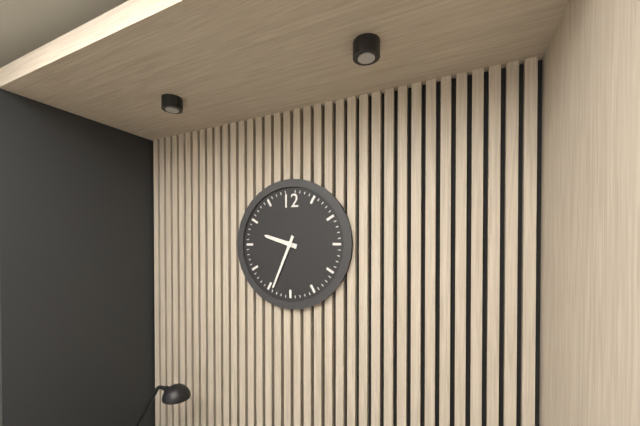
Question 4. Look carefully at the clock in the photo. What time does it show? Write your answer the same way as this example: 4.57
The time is 9.34
